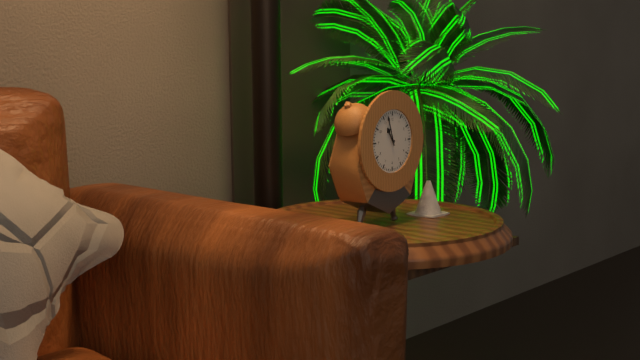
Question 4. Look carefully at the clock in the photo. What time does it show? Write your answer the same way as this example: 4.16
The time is 10.57
